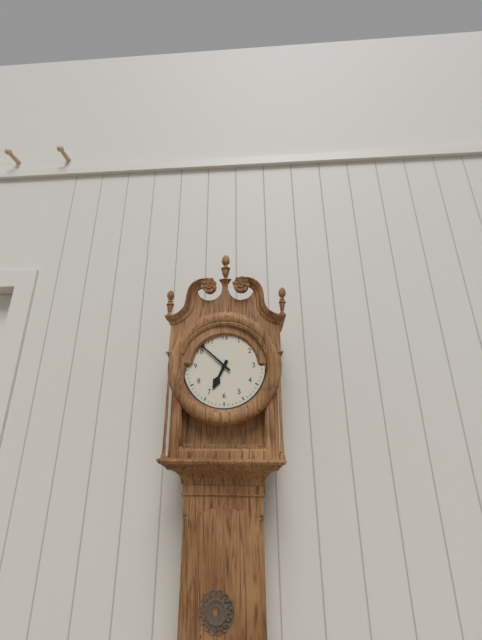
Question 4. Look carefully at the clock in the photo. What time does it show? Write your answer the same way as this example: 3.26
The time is 6.52
